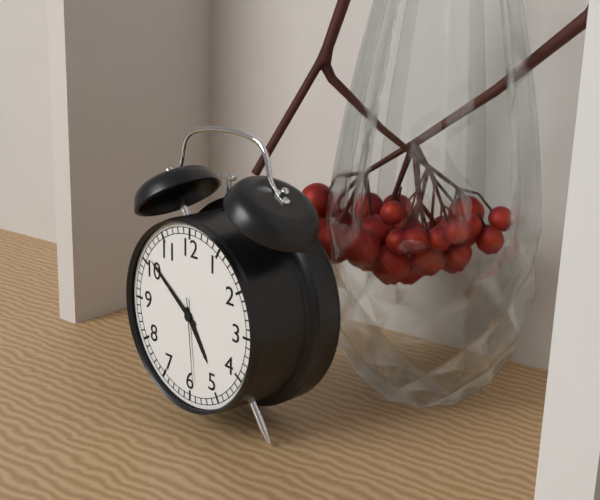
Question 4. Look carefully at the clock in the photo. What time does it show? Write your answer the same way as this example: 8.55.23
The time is 4.51.29
